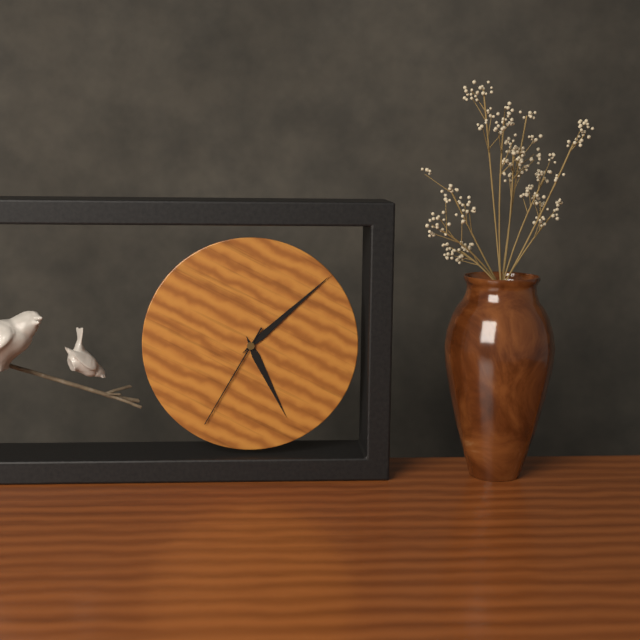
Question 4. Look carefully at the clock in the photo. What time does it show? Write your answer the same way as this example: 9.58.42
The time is 5.08.35
